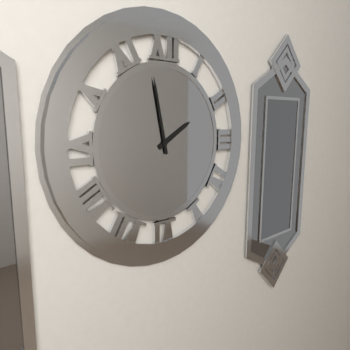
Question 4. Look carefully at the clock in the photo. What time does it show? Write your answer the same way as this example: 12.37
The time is 1.58
